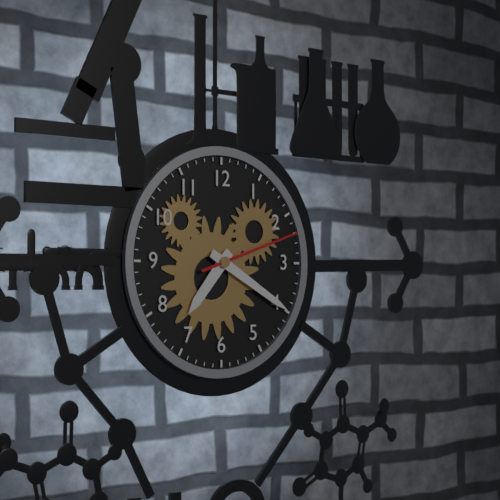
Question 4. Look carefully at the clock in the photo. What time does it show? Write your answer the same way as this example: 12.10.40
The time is 7.20.12
